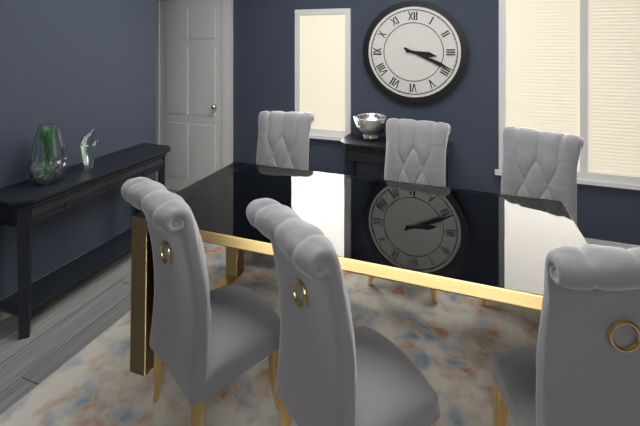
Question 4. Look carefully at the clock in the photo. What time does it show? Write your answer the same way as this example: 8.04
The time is 3.19
